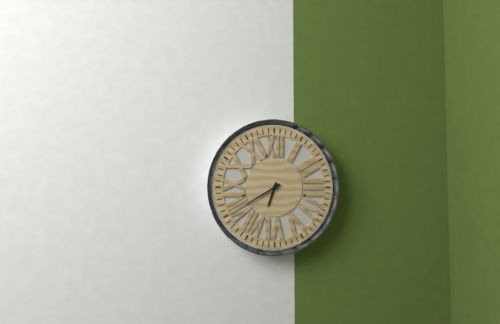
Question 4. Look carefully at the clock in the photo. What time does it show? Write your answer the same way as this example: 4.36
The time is 6.40
